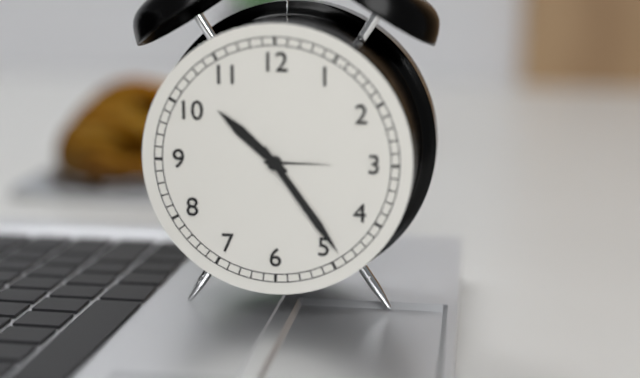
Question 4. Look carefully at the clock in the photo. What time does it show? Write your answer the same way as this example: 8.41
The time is 10.24
